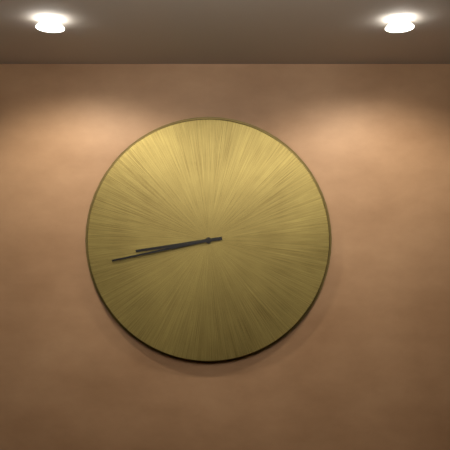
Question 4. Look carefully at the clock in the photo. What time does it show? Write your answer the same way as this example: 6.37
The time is 8.43
